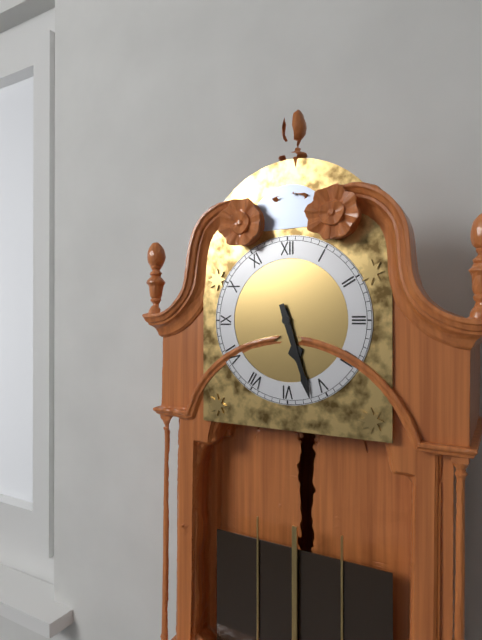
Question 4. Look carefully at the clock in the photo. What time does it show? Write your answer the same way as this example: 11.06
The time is 5.27
